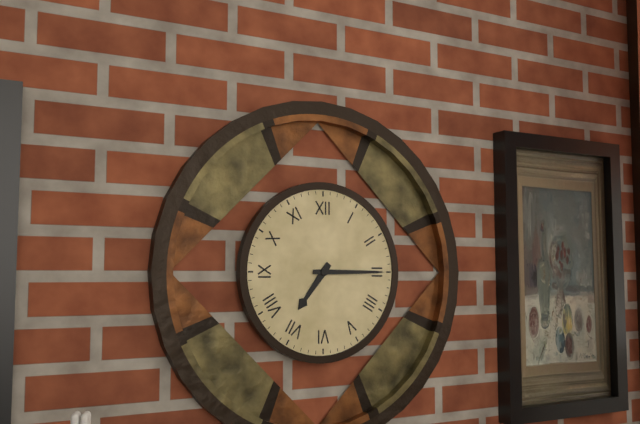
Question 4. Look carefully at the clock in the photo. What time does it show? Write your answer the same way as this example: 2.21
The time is 7.15
